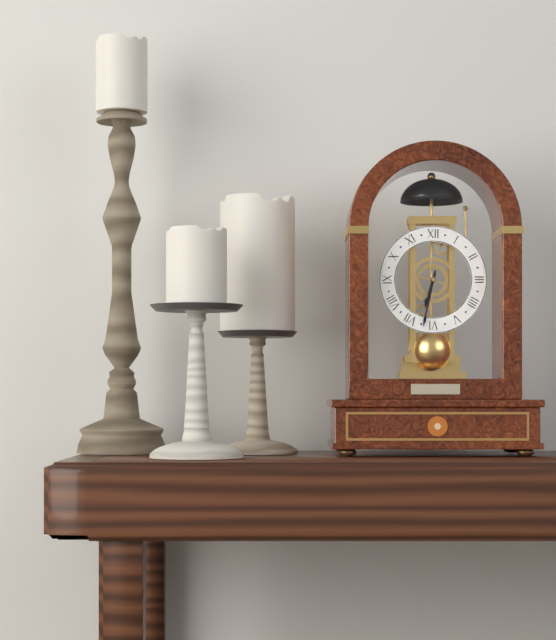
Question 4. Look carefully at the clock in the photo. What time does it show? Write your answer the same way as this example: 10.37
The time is 6.32
